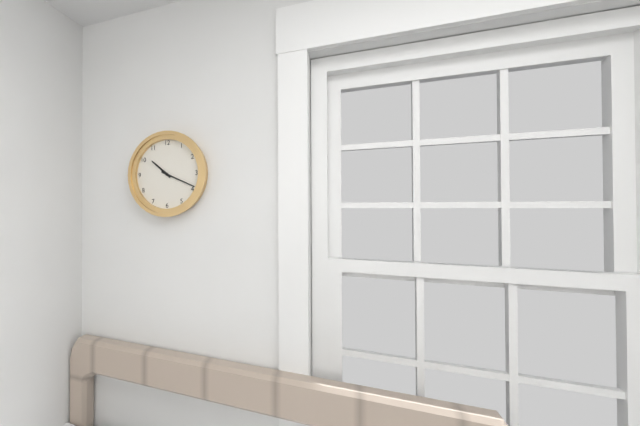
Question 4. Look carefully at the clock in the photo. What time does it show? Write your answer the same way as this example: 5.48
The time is 10.19
